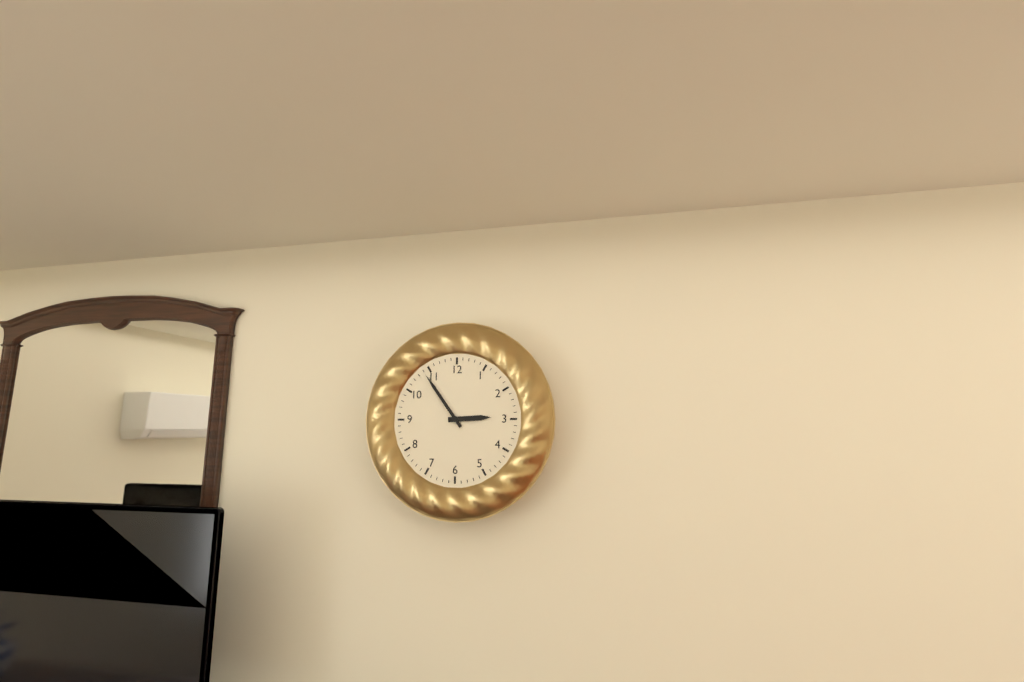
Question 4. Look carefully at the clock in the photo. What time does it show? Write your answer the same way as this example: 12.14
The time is 2.54
